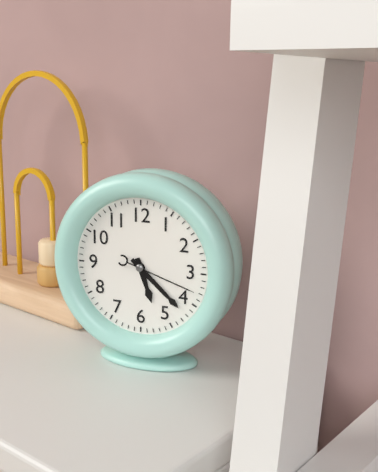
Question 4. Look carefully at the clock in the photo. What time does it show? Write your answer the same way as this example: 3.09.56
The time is 5.22.18
